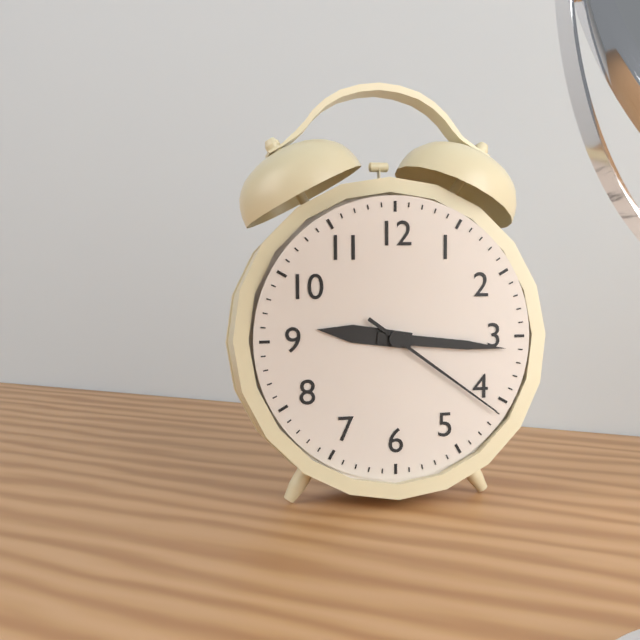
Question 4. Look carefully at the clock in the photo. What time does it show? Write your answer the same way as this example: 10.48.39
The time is 9.16.21
